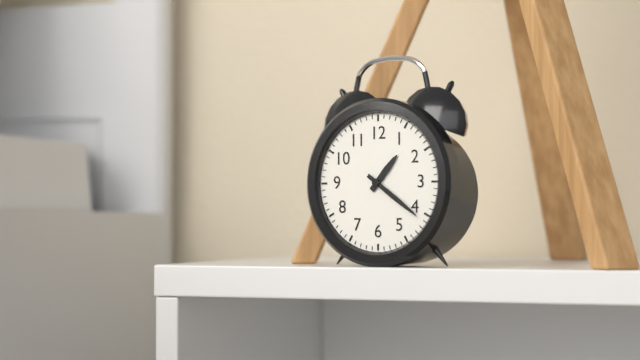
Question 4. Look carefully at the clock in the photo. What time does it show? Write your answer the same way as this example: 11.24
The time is 1.21
